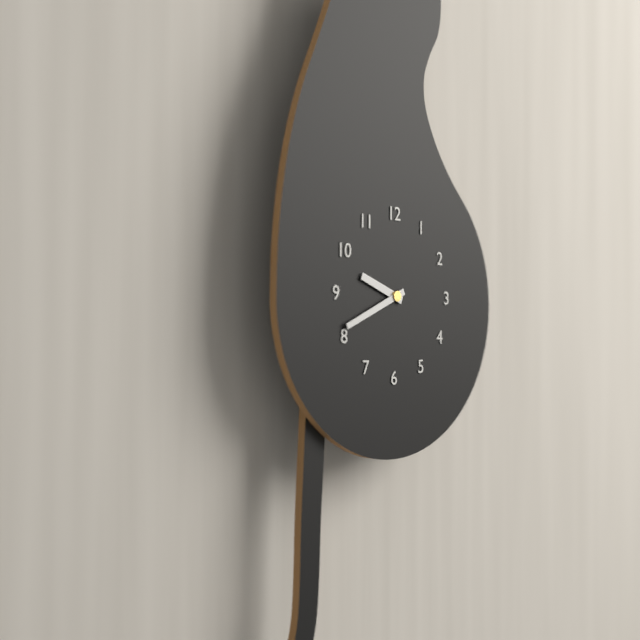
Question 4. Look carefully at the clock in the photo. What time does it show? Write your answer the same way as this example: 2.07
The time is 9.41
